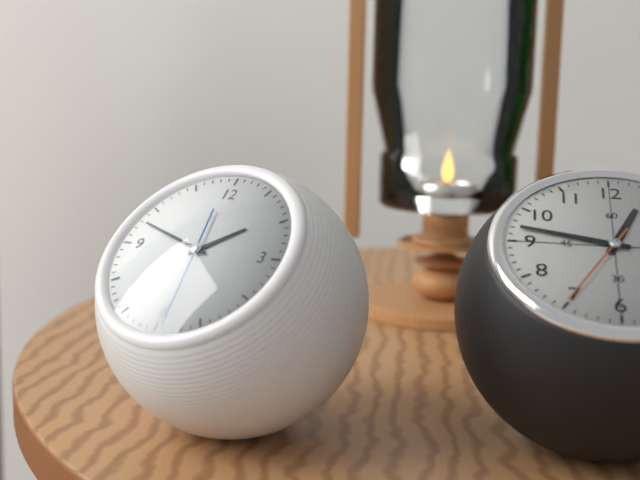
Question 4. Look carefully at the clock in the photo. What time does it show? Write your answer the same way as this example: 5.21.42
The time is 1.48.29
